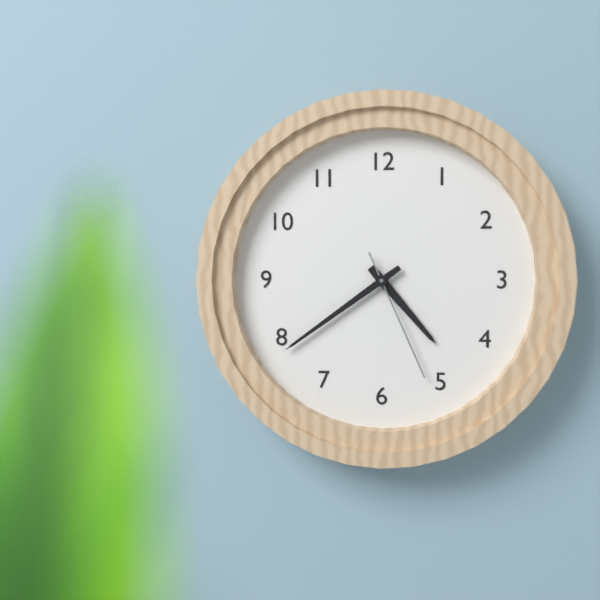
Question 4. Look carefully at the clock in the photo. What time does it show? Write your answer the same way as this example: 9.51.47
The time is 4.39.26
